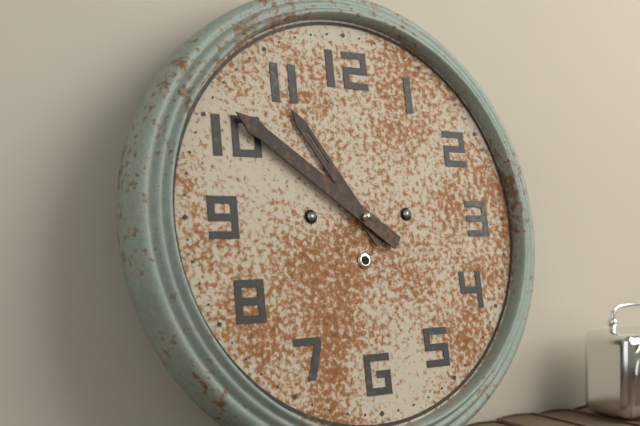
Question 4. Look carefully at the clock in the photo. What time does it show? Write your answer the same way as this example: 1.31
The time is 10.51
